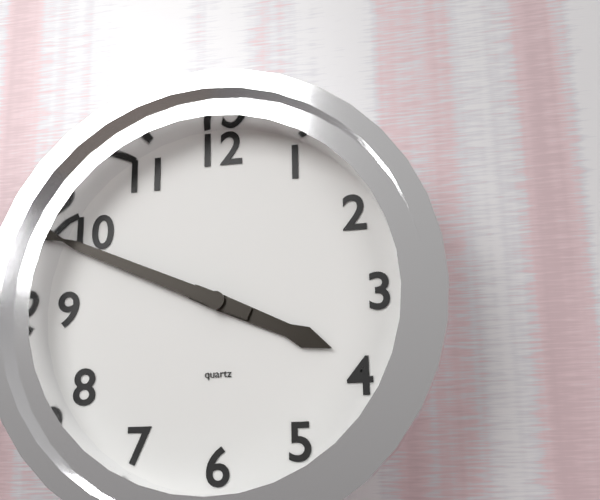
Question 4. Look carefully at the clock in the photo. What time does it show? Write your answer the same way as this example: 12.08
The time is 3.49
